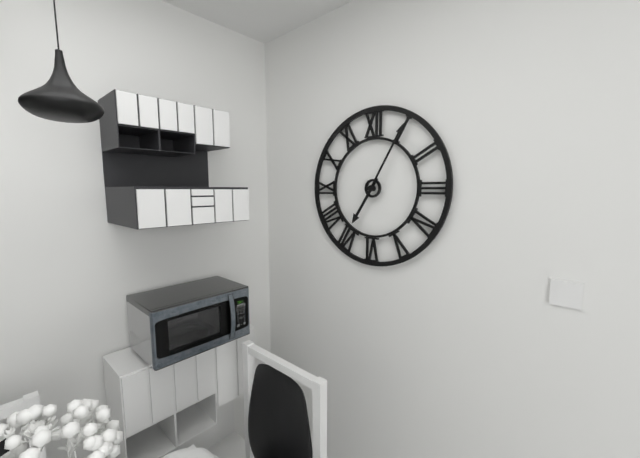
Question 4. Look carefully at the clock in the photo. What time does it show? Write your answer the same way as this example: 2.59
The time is 7.05
